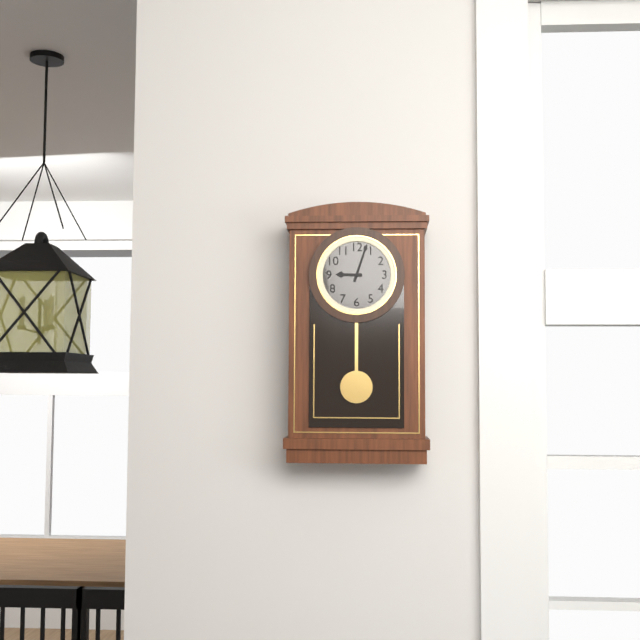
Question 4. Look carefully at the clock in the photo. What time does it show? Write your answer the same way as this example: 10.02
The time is 9.03
